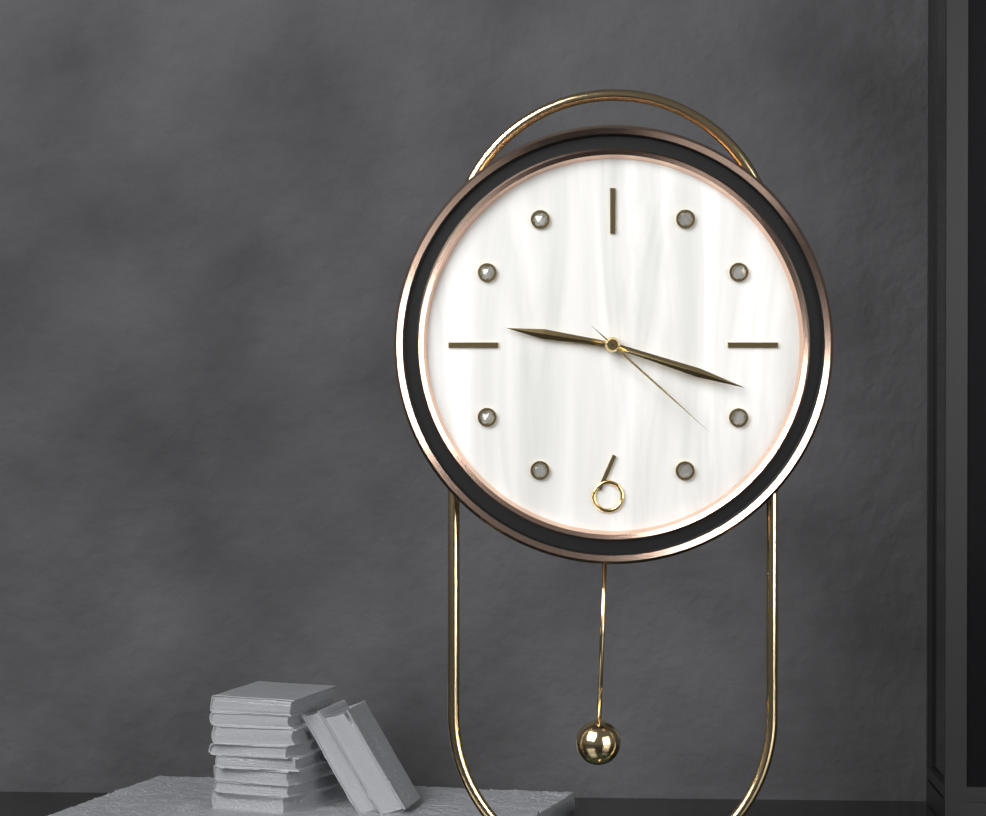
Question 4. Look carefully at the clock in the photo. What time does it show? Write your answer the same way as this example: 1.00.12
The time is 9.18.22
